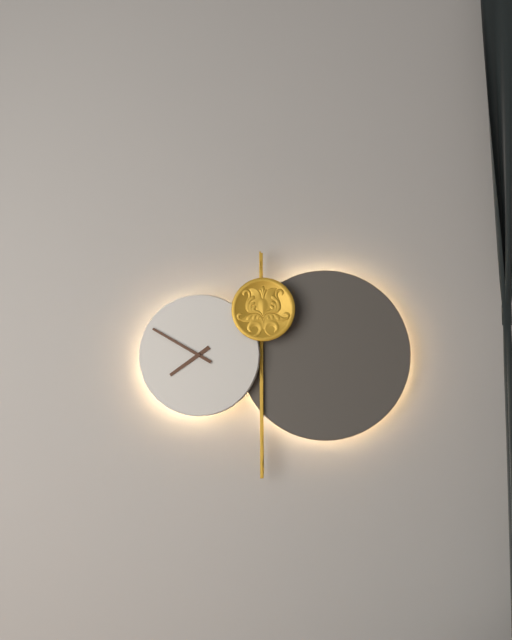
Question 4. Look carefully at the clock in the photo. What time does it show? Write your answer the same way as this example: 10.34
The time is 7.50
